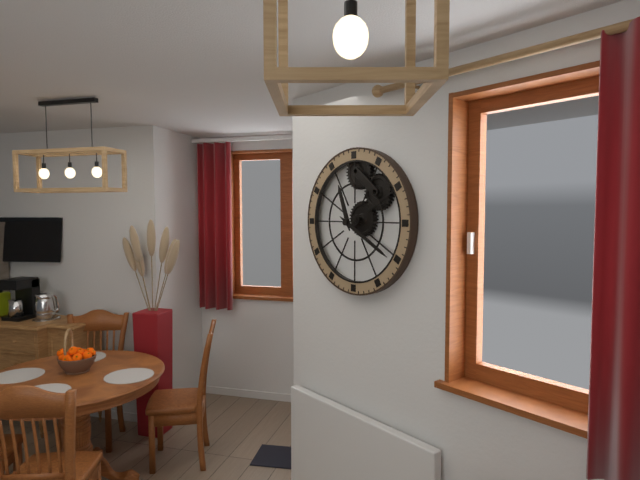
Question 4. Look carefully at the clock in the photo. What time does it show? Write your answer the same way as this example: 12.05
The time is 11.20
